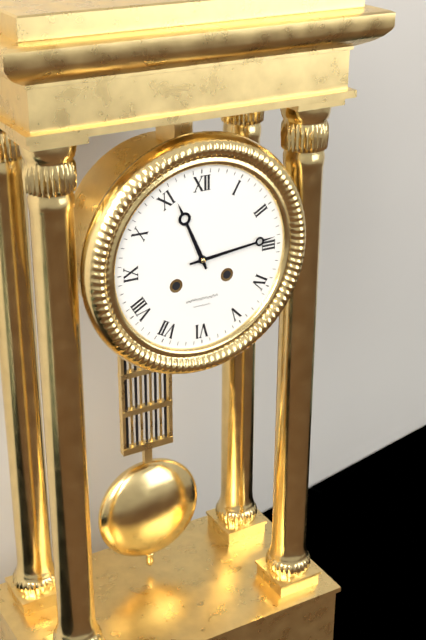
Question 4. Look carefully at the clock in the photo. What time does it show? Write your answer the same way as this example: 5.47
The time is 11.14
